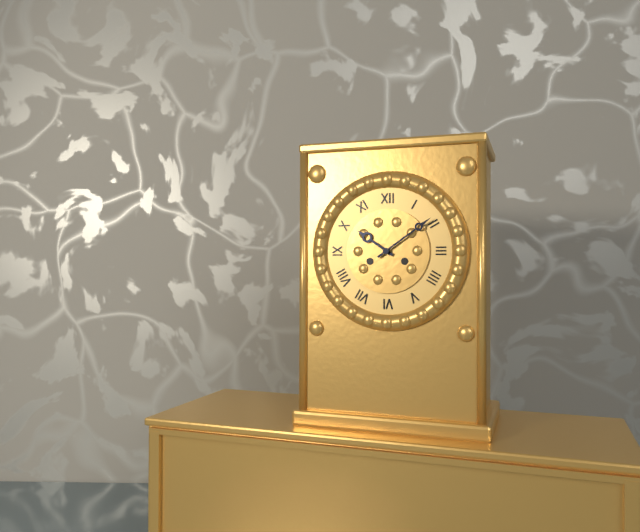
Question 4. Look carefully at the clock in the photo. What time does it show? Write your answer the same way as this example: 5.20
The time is 10.09
